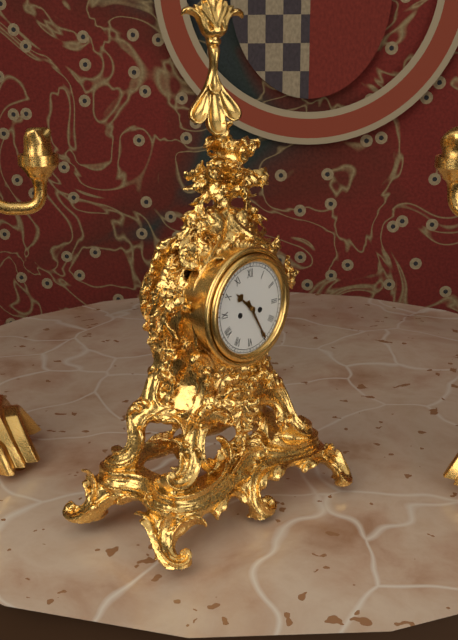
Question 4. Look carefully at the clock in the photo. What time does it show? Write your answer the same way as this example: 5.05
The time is 10.25
